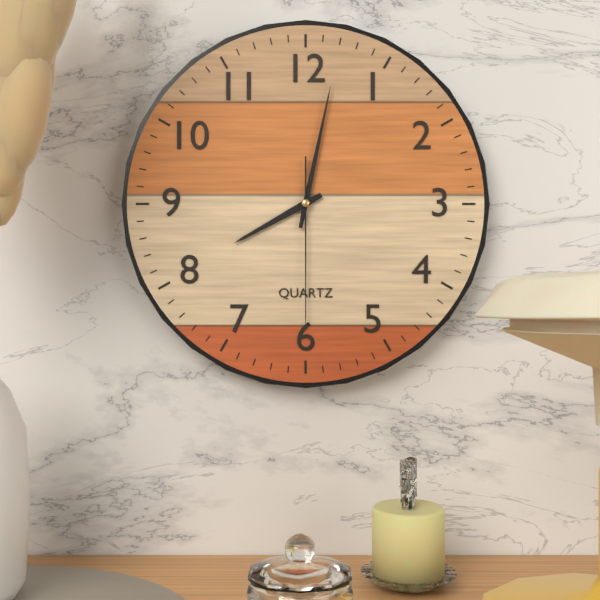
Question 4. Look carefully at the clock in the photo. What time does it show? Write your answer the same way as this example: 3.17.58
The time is 8.02.30
